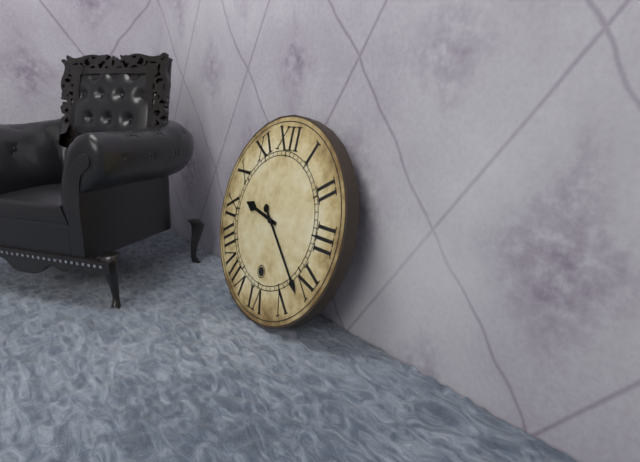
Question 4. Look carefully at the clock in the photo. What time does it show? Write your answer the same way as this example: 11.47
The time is 9.22
